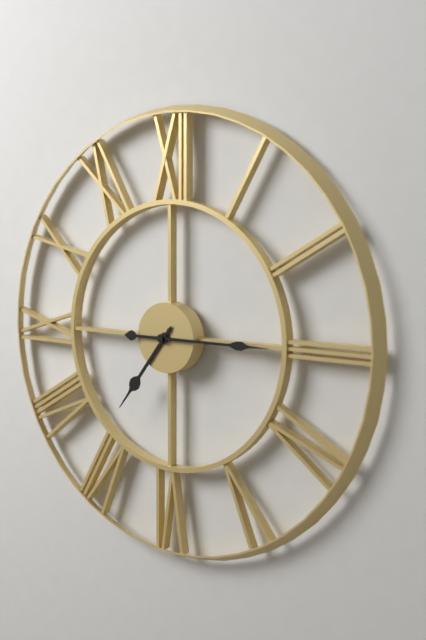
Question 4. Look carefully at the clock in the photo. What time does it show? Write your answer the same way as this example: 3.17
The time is 7.15
